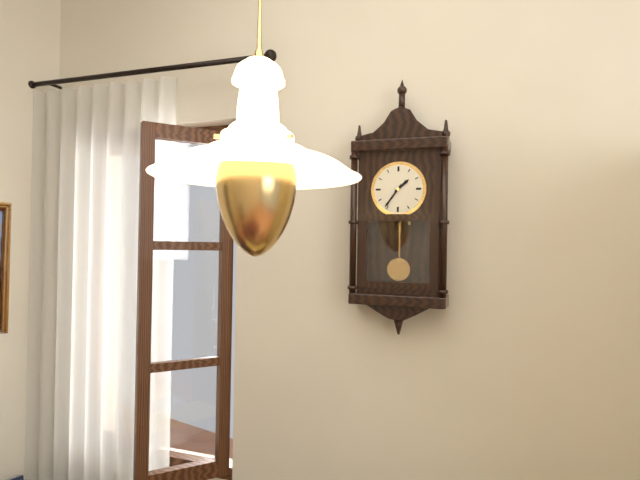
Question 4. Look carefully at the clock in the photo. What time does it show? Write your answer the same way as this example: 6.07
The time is 1.36
